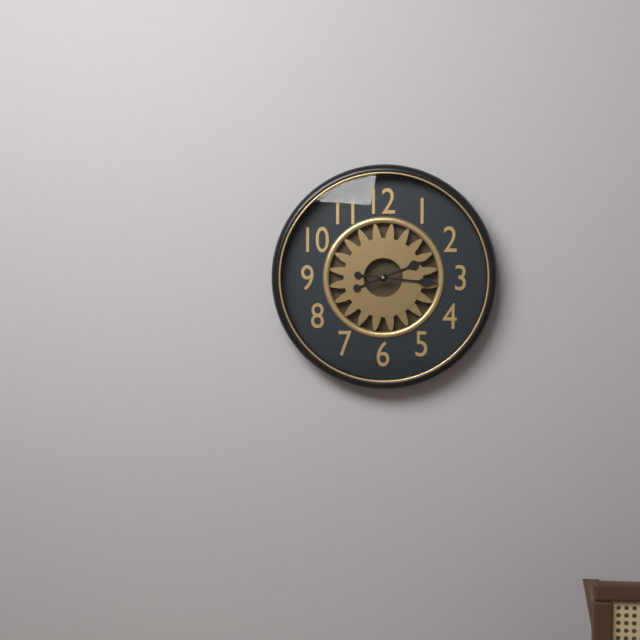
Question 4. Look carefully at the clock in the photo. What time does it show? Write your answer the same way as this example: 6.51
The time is 2.16
